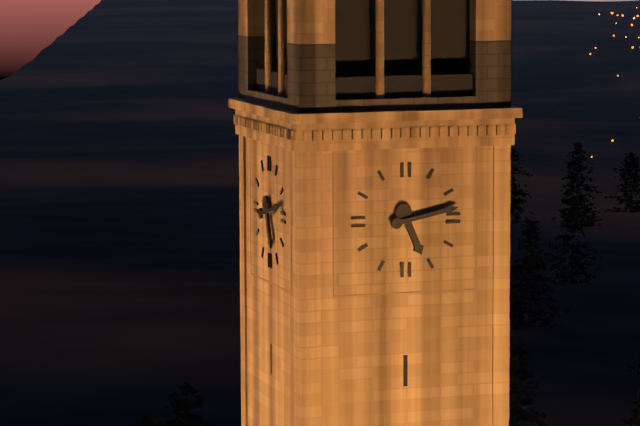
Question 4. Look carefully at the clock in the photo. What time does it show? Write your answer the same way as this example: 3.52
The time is 5.13
